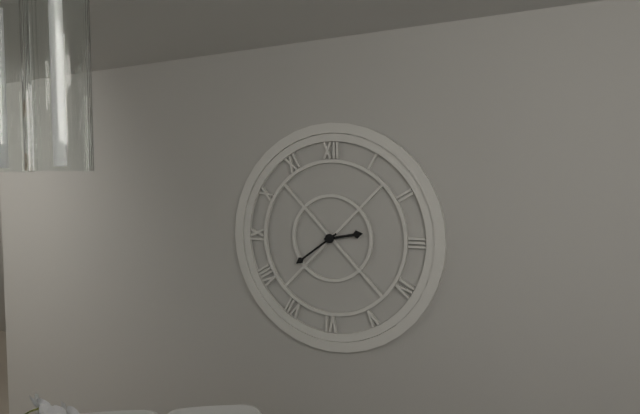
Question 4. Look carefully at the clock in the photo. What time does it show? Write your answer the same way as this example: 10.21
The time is 2.39
